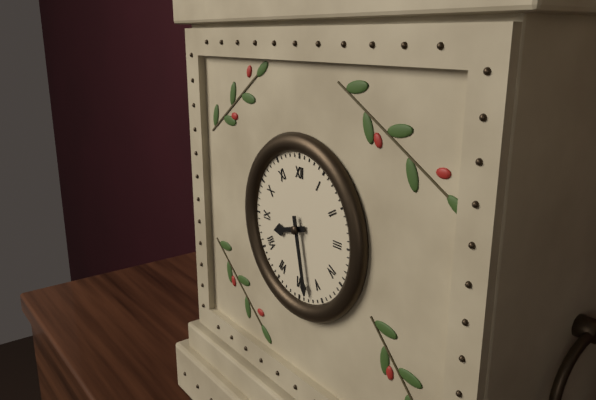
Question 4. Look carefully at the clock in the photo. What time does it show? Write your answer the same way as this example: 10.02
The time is 8.28
